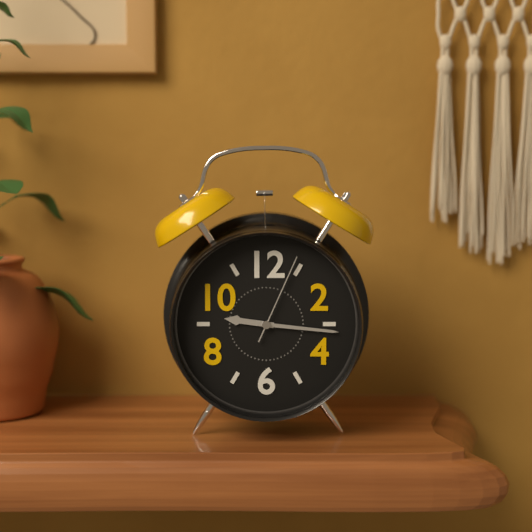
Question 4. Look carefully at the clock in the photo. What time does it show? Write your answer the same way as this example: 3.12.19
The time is 9.16.04
